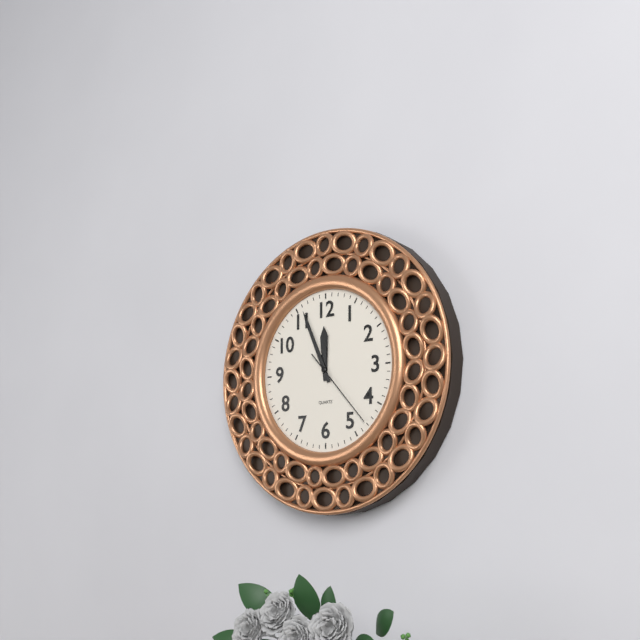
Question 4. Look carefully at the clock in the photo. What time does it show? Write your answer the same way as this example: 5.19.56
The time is 11.56.23
